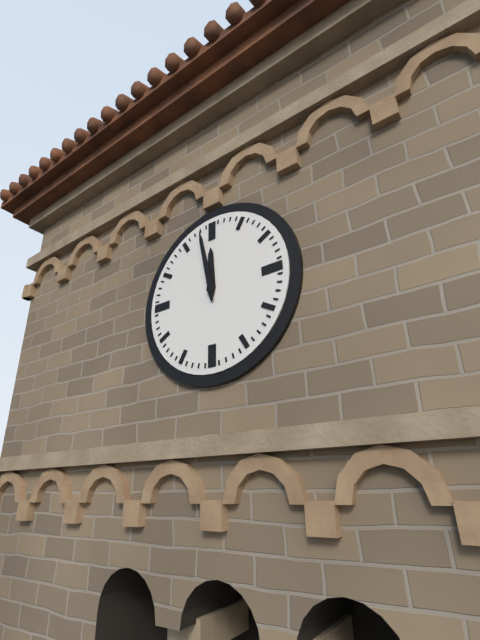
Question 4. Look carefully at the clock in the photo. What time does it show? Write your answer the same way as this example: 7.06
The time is 11.58
